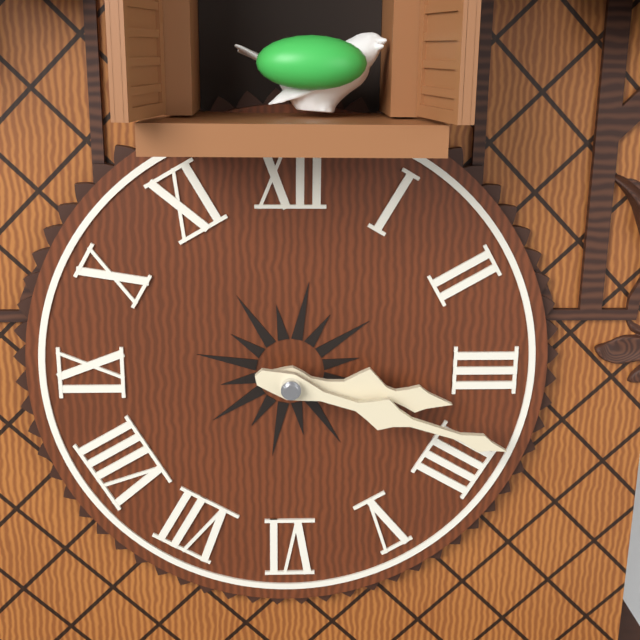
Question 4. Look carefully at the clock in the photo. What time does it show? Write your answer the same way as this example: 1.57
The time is 3.18
